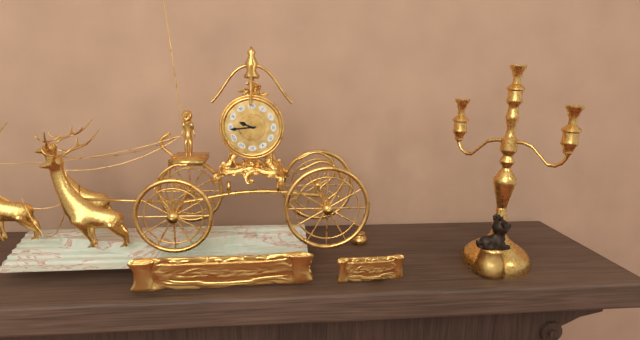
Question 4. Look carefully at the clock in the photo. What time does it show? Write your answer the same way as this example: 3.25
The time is 9.44
